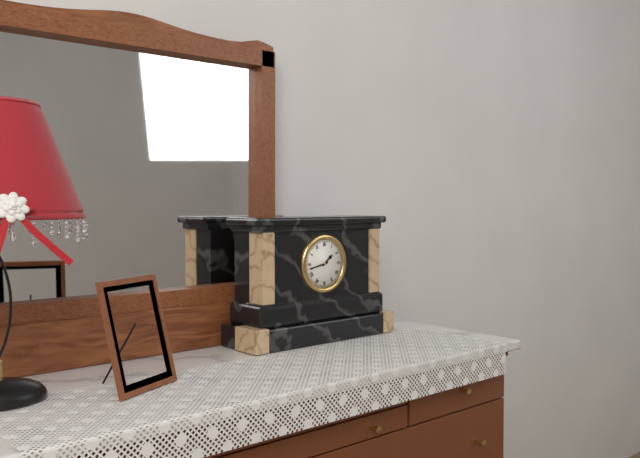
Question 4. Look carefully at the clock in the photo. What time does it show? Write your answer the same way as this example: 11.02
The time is 1.43
